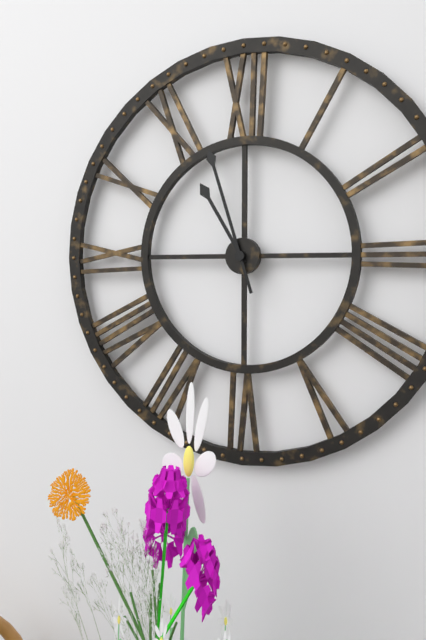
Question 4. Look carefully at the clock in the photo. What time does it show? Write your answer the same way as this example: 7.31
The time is 10.57
